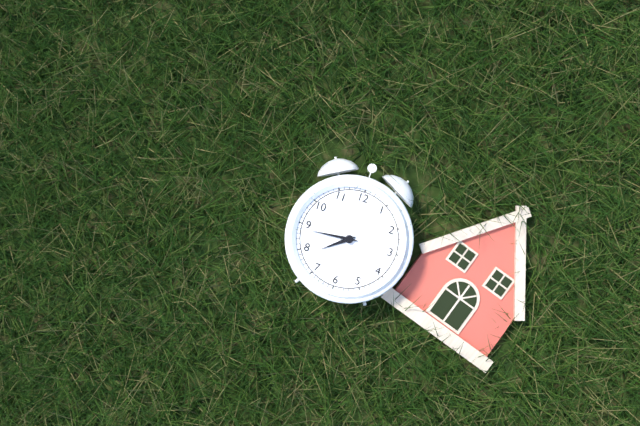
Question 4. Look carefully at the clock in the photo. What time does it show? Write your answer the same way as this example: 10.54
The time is 7.44
